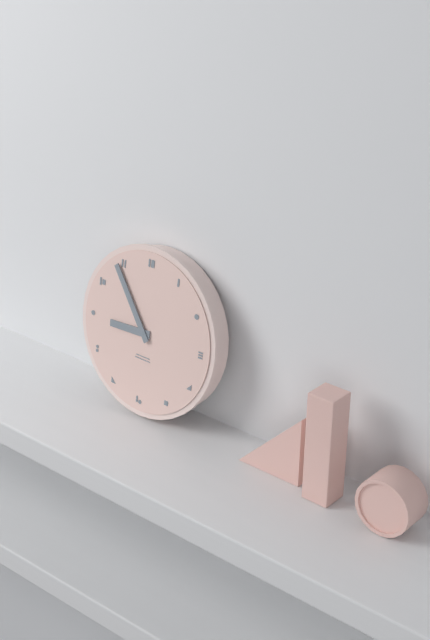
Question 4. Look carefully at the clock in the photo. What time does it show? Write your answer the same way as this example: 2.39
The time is 8.54
